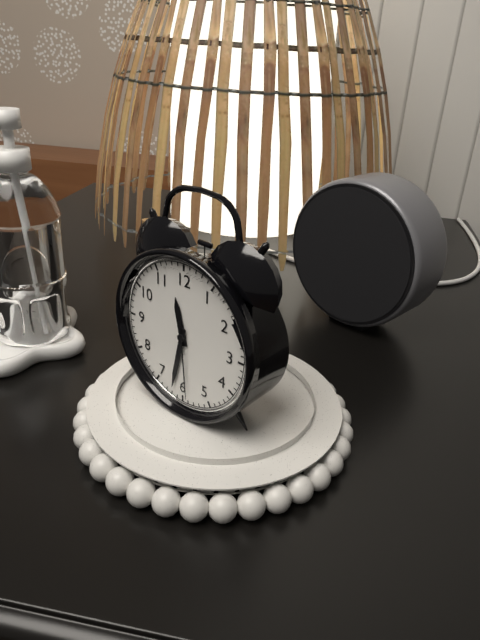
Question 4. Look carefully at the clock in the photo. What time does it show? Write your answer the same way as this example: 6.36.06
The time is 11.32.29
